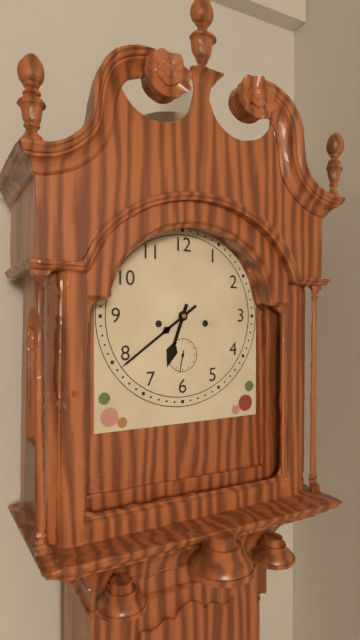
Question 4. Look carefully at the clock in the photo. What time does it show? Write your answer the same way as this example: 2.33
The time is 6.39
